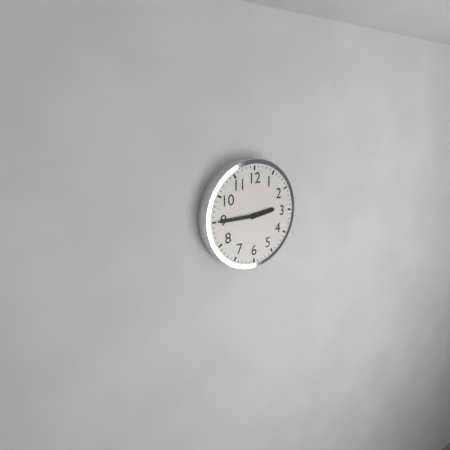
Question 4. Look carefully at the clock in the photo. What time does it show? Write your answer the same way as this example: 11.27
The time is 2.45
